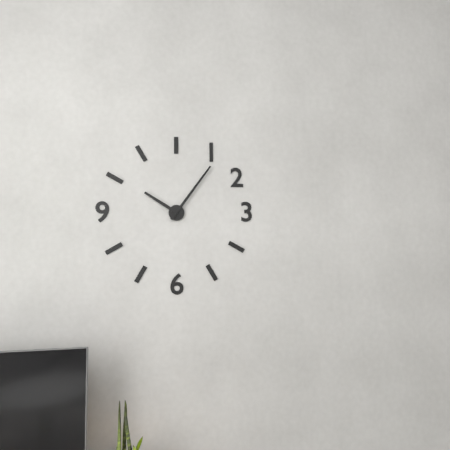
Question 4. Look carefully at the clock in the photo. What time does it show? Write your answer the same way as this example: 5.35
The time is 10.06
